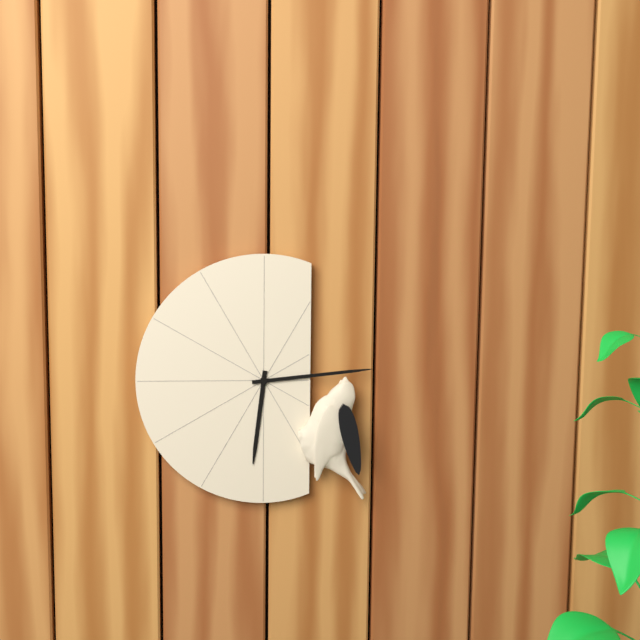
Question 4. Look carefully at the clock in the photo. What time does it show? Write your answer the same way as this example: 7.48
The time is 6.14
